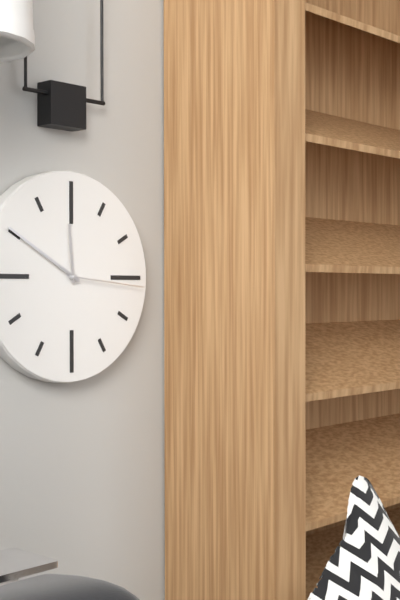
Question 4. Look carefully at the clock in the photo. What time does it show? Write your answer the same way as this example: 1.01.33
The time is 11.50.16
